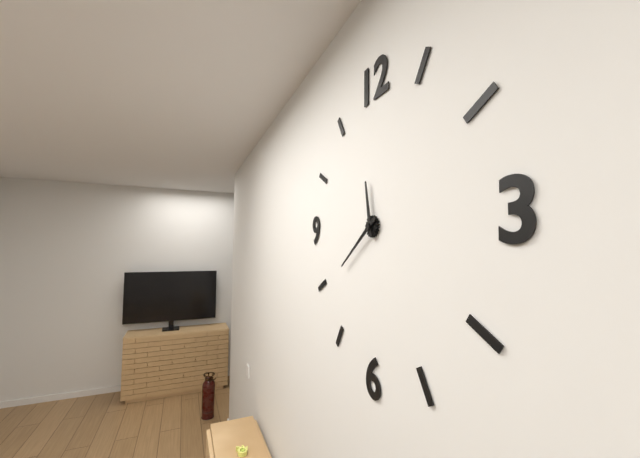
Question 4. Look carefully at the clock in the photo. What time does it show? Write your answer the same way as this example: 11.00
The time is 11.39
